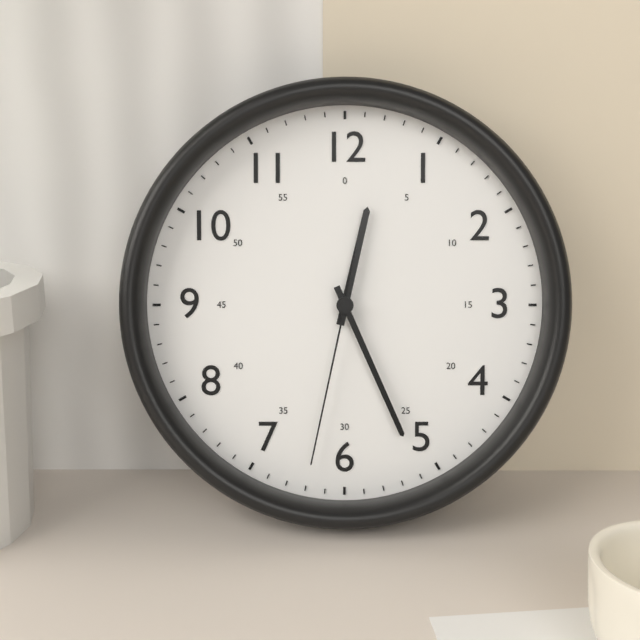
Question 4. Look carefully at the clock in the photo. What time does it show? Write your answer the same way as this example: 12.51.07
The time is 12.26.32
